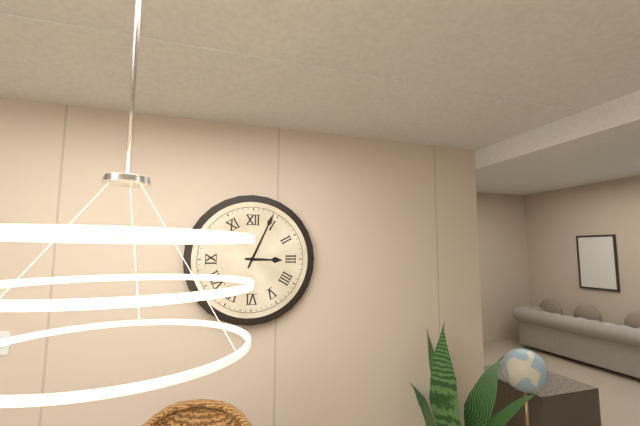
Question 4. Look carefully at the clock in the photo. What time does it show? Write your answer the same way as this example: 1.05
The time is 3.04
